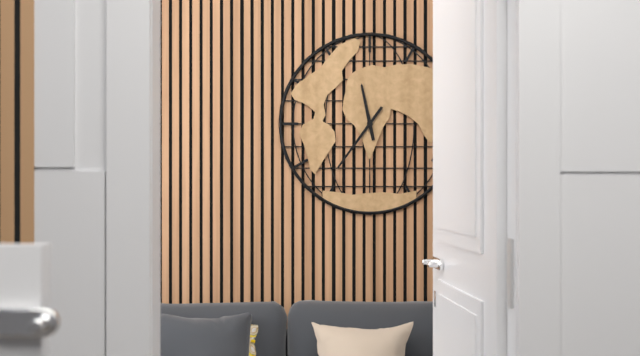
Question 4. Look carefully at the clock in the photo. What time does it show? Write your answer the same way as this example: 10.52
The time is 11.36
